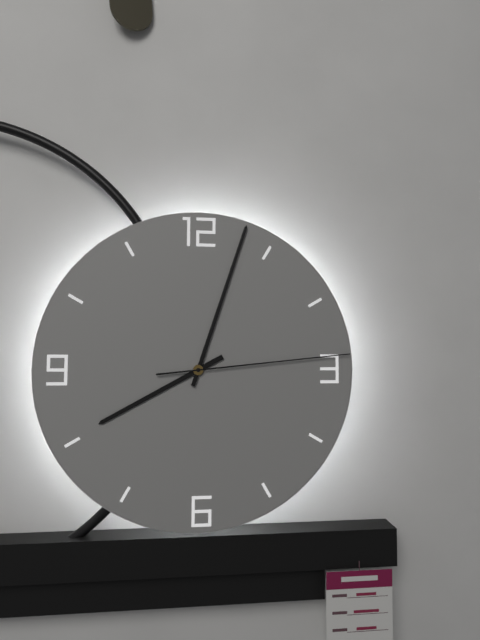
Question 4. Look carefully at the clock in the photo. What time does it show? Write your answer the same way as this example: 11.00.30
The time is 8.03.14
